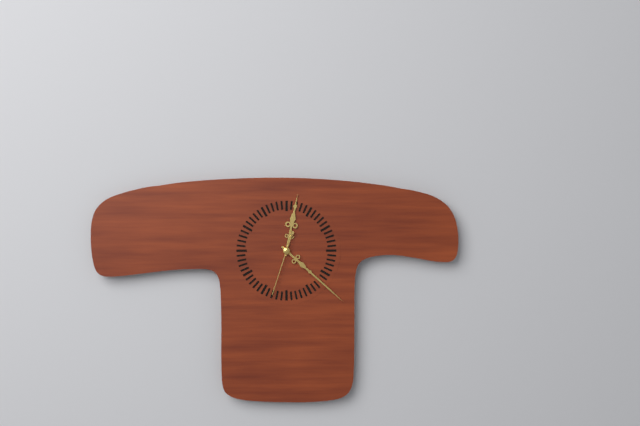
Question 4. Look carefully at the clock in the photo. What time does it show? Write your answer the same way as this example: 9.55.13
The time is 12.22.33
